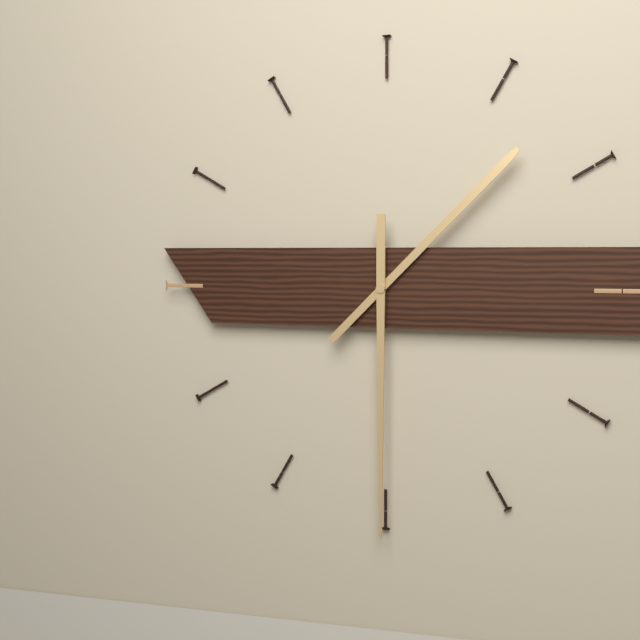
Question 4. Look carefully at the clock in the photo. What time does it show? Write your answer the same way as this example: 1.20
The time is 1.30
